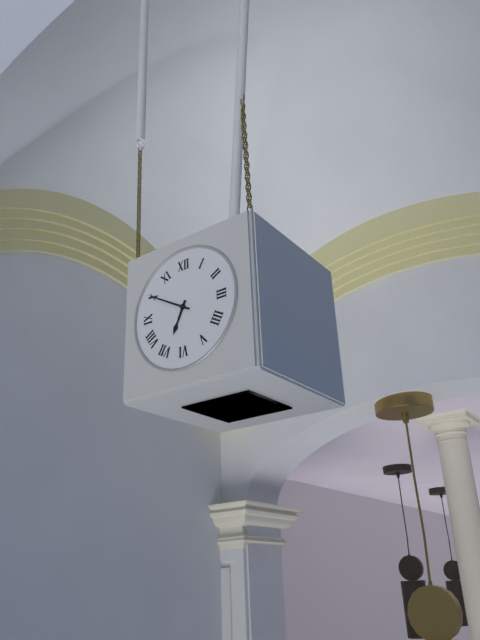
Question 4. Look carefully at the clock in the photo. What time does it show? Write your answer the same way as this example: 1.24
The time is 6.50
